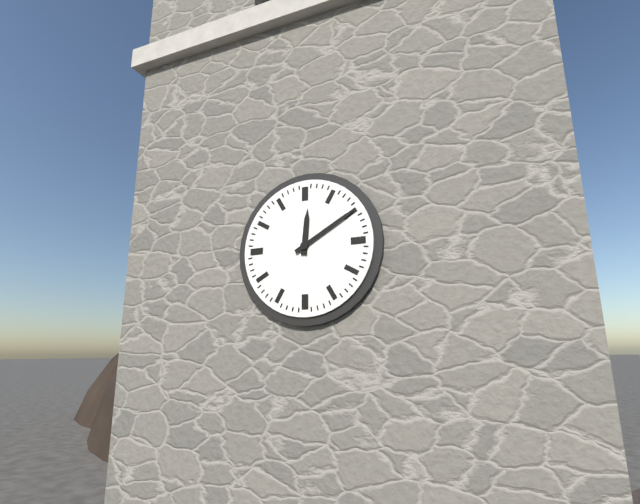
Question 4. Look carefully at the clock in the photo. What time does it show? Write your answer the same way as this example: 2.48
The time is 12.10
